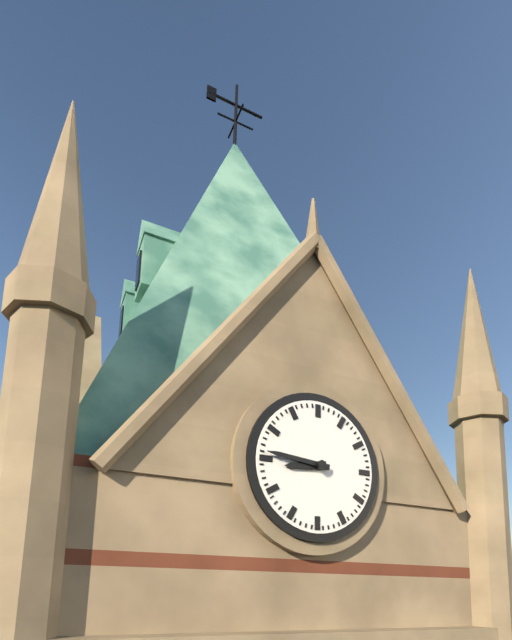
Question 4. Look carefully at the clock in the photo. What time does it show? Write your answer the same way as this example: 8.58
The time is 8.46
